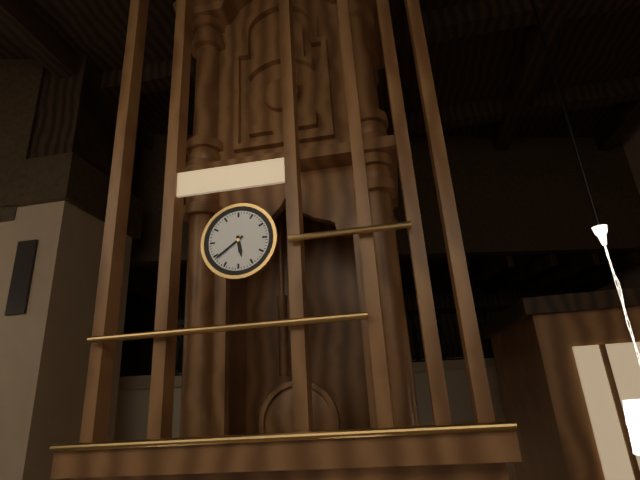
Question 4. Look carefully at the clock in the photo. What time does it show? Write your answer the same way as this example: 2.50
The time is 5.39
